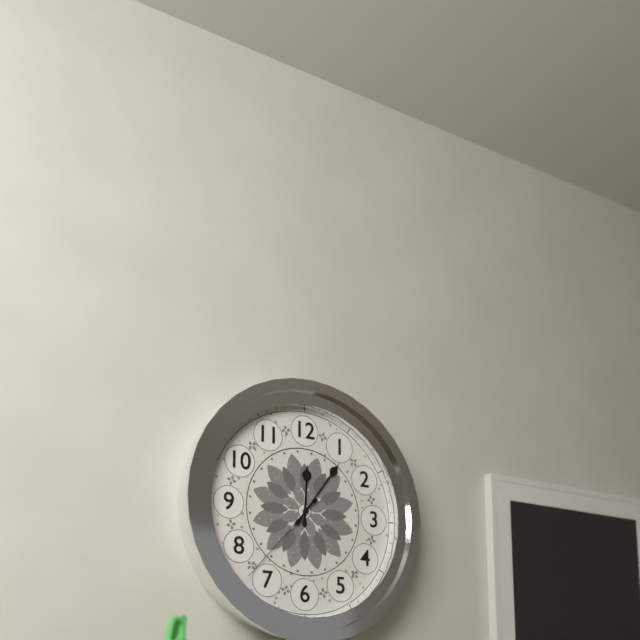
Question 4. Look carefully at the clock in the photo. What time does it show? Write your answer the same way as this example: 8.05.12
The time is 12.06.37
